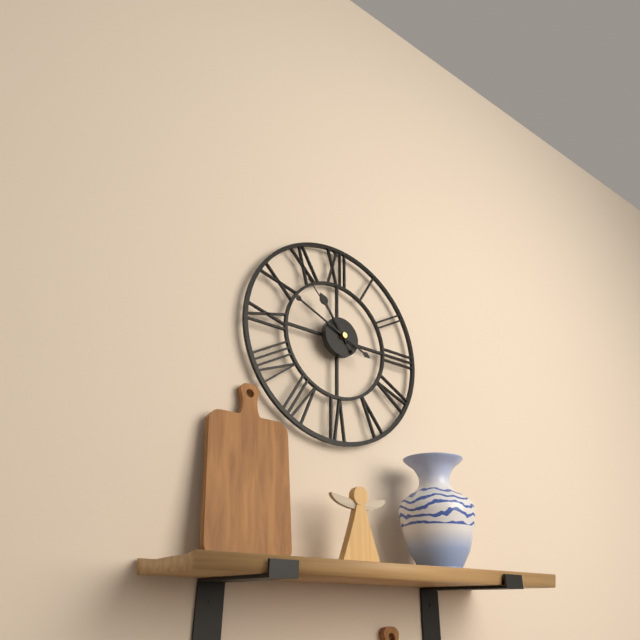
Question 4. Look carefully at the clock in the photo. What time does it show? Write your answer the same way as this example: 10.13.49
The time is 10.49.53
